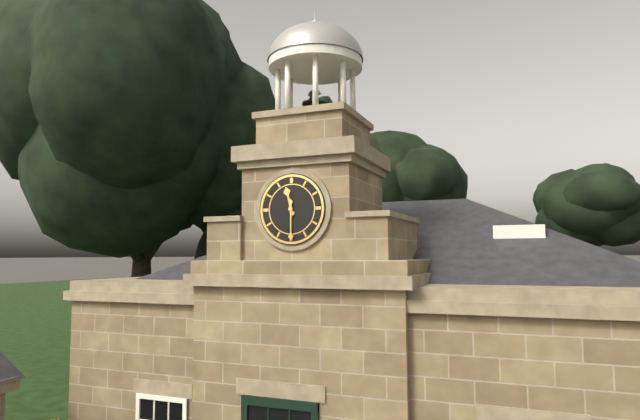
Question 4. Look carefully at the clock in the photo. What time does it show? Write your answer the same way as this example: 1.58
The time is 11.30
